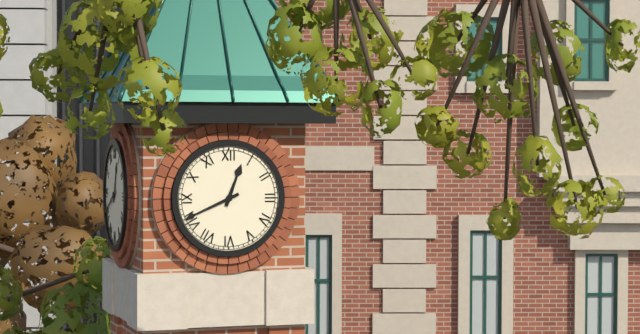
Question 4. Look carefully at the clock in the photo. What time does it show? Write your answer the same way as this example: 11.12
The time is 12.41
